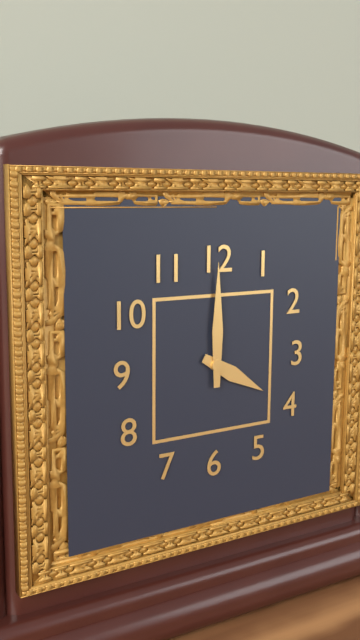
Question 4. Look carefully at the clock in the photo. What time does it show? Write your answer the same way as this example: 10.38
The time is 4.00
